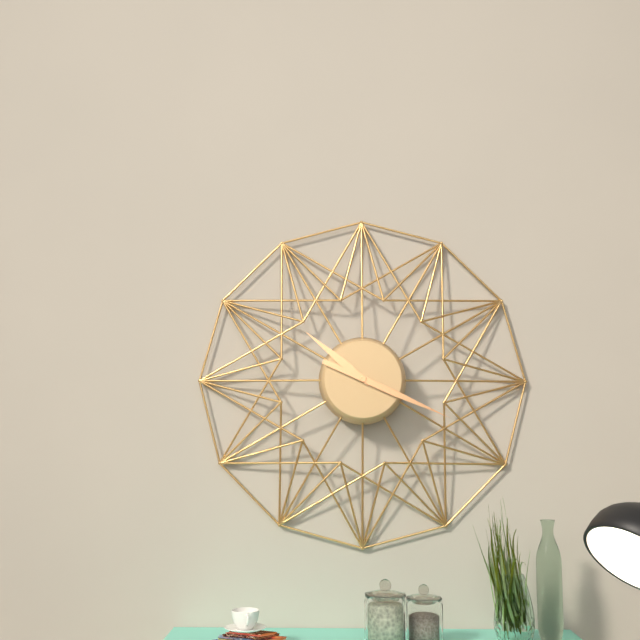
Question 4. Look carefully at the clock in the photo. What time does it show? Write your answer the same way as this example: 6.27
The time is 10.19
